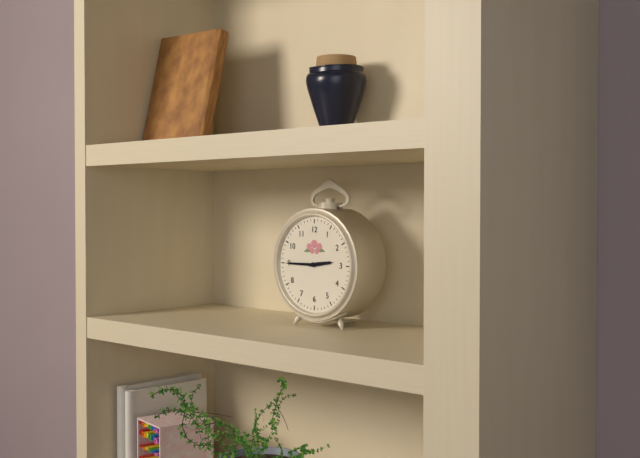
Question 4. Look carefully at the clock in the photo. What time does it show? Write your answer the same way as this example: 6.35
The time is 2.45
